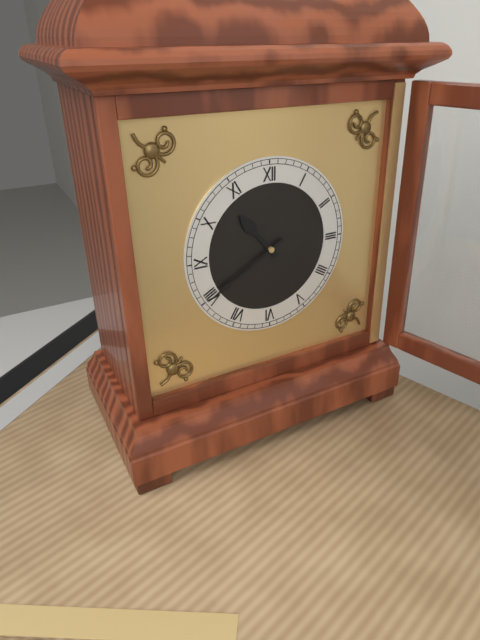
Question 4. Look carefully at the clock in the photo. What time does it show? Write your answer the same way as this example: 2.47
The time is 10.40
